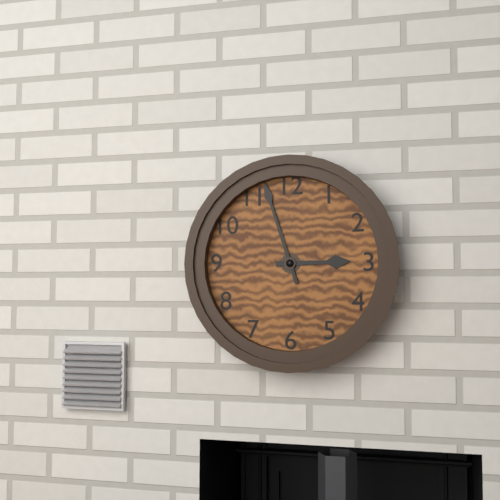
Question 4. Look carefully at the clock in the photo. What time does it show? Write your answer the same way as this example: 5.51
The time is 2.57
